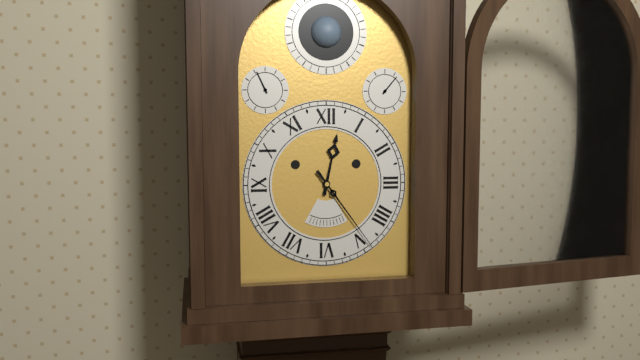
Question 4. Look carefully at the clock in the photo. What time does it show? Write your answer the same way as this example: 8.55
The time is 12.24
